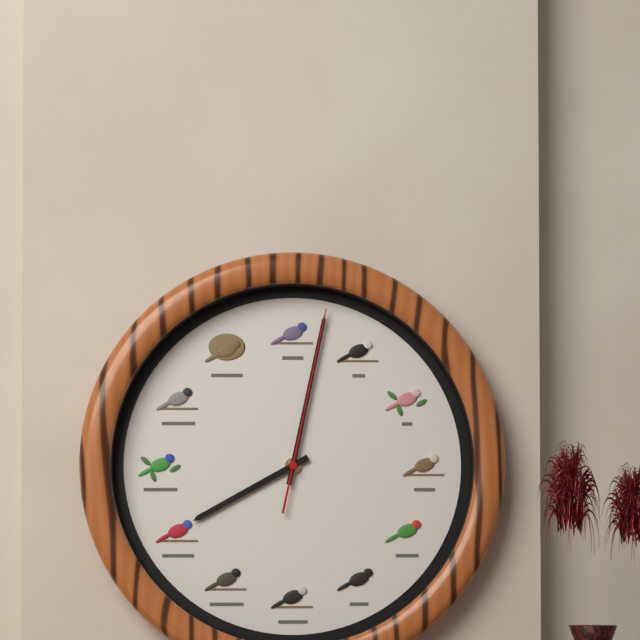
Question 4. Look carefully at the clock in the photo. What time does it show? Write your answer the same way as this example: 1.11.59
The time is 8.02.02
